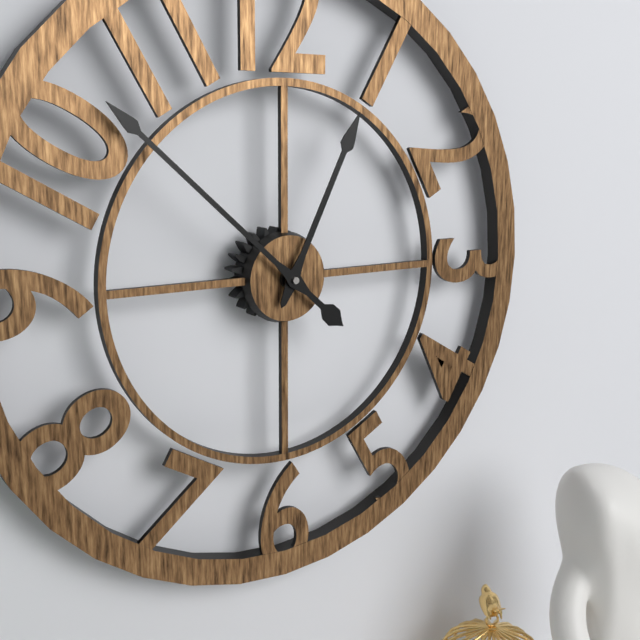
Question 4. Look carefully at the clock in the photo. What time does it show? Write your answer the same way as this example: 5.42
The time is 12.52
